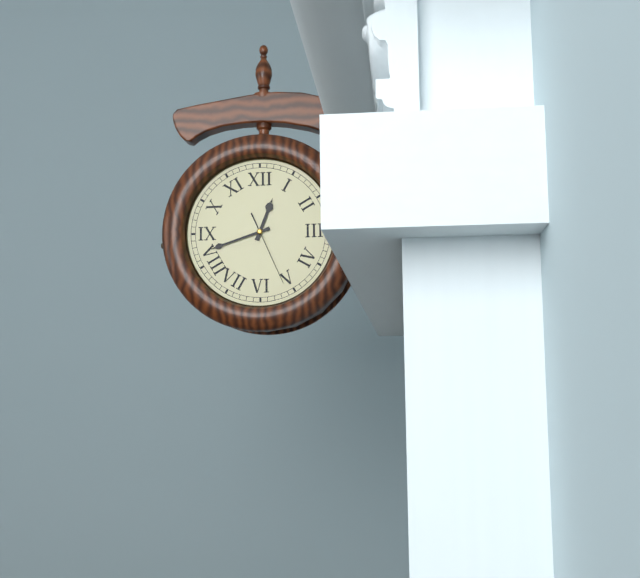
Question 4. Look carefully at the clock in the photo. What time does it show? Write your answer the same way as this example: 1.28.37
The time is 12.42.26
